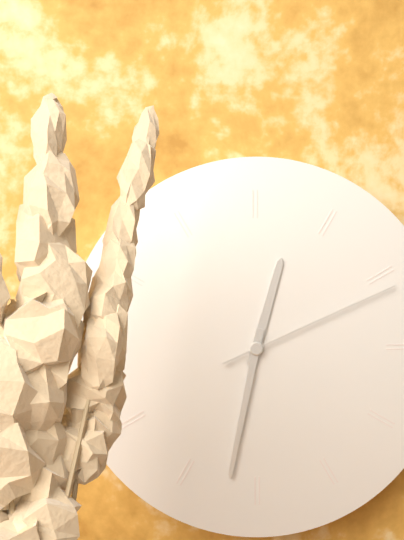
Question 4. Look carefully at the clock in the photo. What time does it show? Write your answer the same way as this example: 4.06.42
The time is 12.32.11
